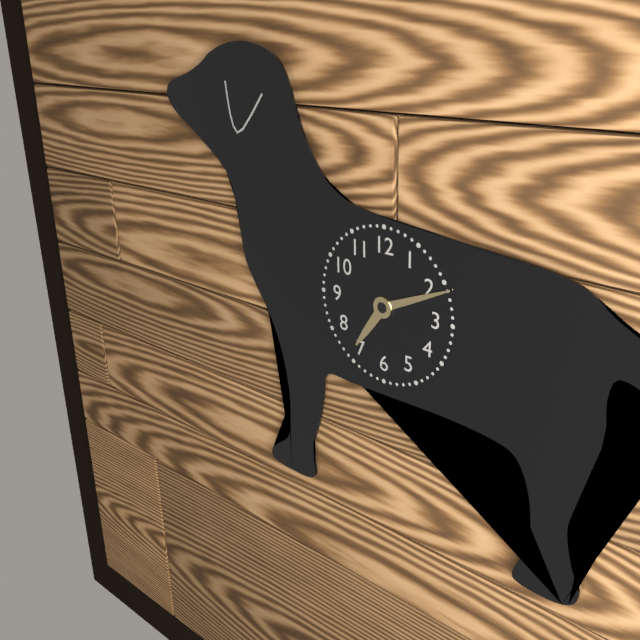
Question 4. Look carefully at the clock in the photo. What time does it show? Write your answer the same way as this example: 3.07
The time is 7.11
